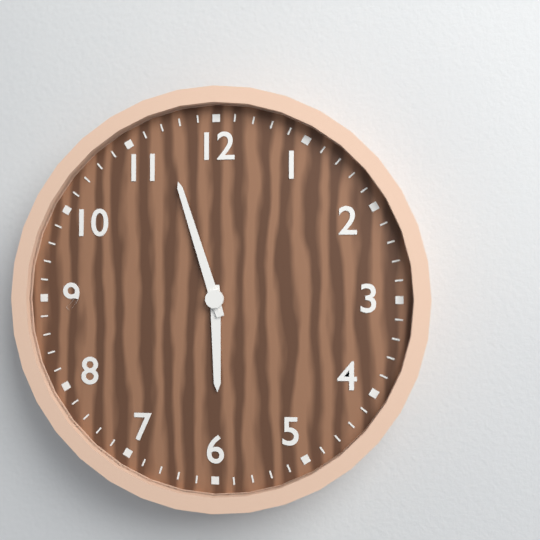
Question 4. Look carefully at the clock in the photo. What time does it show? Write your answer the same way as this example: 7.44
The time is 5.57
